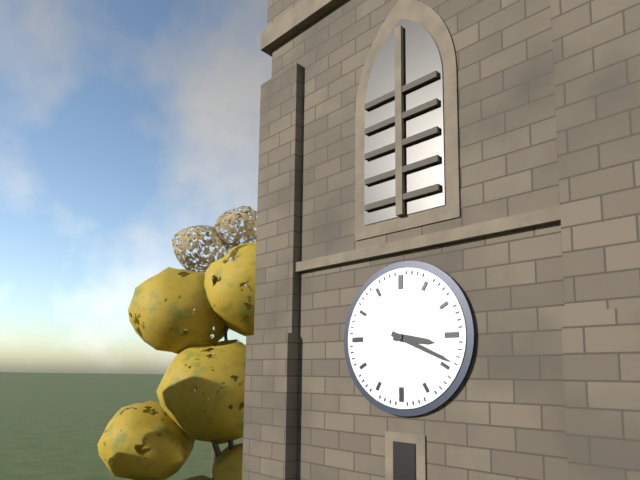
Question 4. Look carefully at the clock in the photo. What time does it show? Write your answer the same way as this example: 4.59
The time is 3.19
